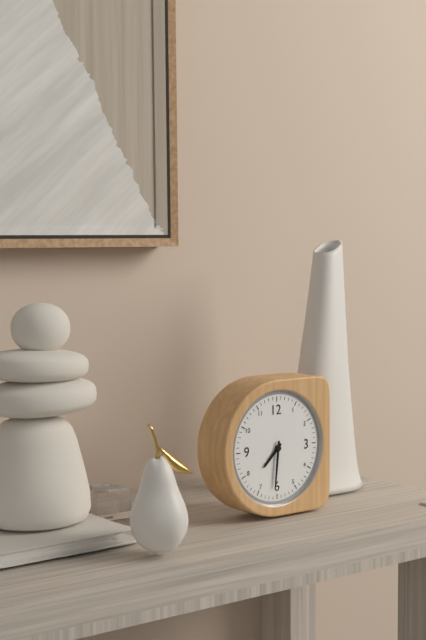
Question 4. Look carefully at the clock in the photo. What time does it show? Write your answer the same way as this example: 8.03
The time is 7.31
